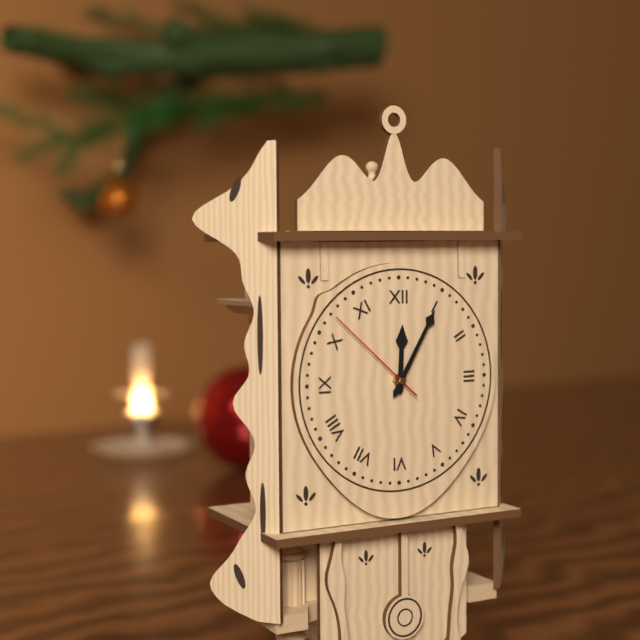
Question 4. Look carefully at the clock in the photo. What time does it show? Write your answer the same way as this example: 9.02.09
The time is 12.05.52
